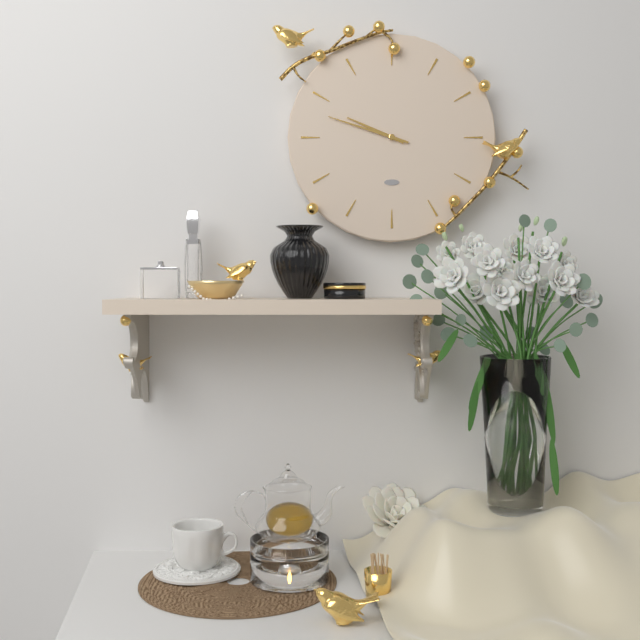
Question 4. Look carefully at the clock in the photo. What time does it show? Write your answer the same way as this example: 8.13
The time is 9.48
